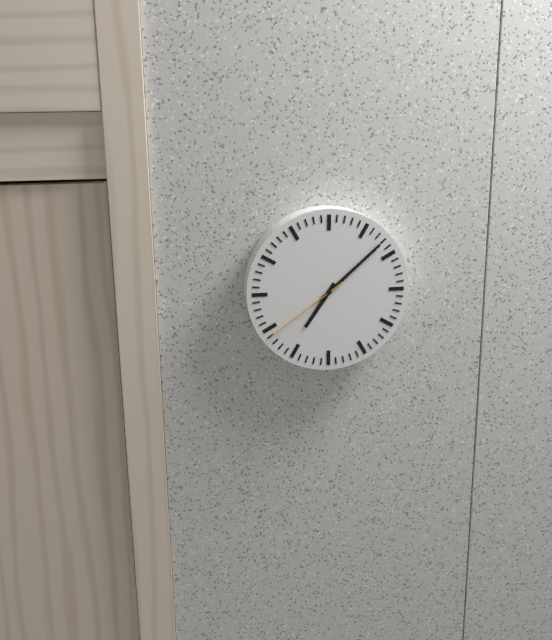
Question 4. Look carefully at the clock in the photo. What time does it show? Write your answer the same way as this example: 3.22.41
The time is 7.08.39
